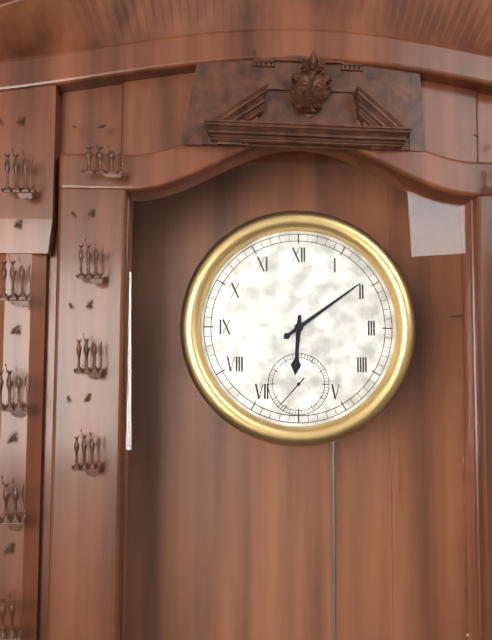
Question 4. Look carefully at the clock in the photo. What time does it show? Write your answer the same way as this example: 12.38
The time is 6.09
